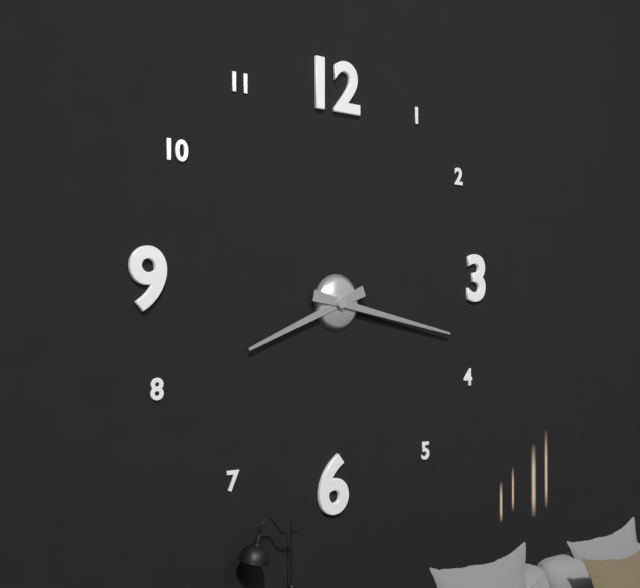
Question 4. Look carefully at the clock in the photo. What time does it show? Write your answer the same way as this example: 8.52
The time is 8.17
